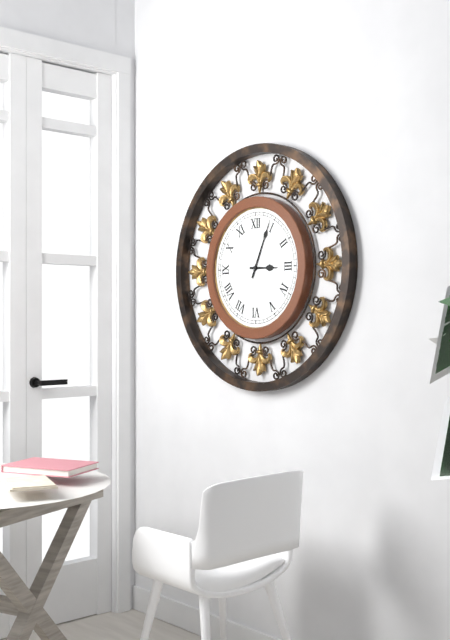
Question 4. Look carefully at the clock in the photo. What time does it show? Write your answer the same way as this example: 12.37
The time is 3.04
